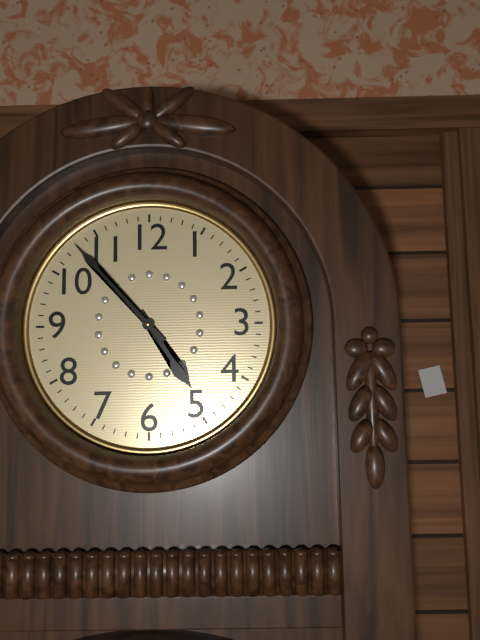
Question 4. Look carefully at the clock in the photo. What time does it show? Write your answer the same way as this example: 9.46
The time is 4.53
